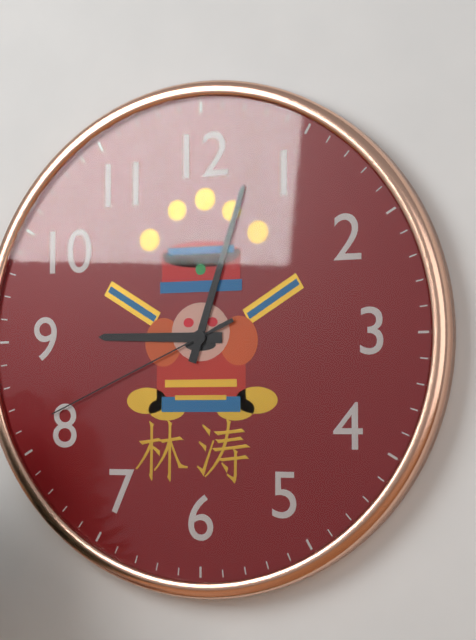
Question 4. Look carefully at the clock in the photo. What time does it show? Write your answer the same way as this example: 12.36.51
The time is 9.03.41
